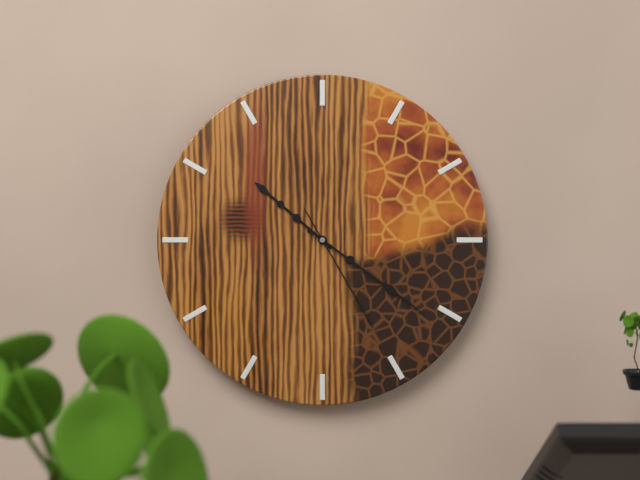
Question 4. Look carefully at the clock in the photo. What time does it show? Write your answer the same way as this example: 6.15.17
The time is 10.21.25
